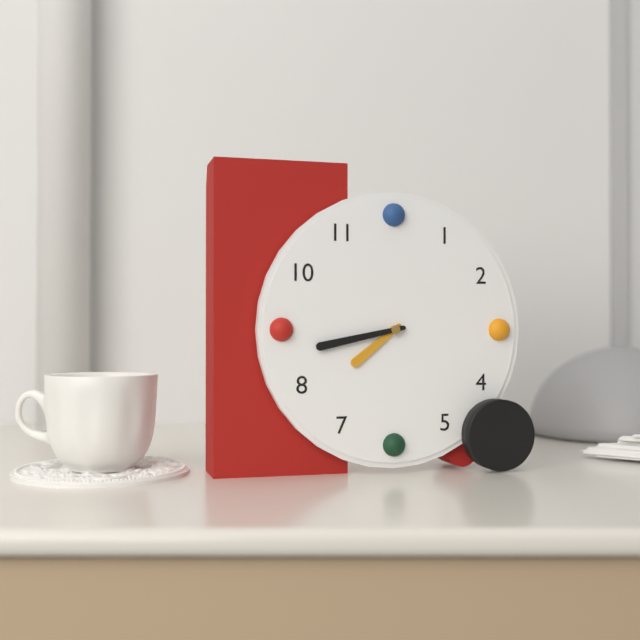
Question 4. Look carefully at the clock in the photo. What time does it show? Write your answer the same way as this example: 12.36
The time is 7.43
